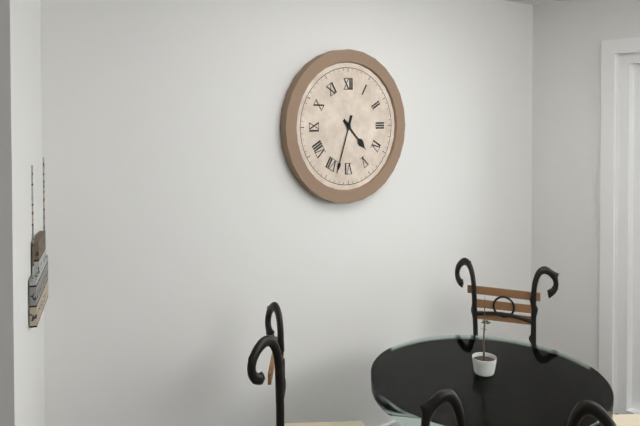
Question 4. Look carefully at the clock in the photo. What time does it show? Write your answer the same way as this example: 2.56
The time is 4.33
